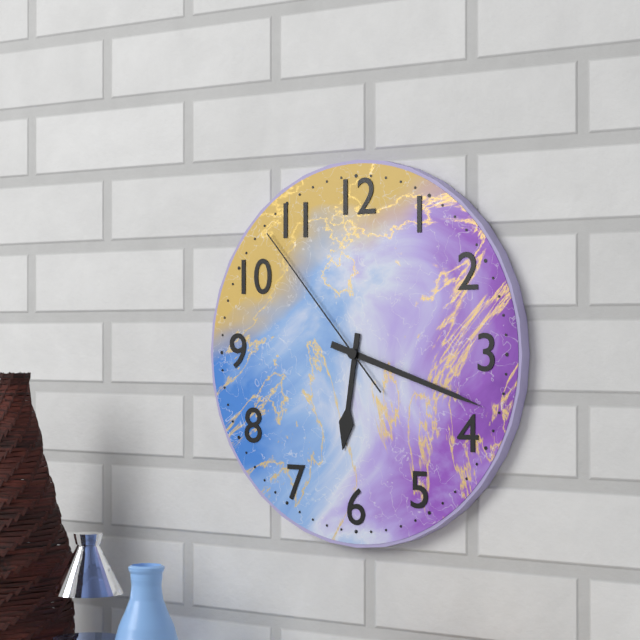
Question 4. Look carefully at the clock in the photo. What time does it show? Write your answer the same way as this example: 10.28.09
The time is 6.18.53
